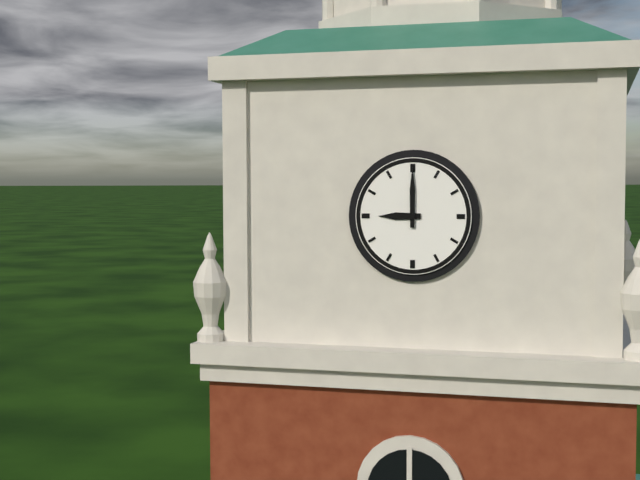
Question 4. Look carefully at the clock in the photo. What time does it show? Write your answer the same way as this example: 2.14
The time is 9.00
